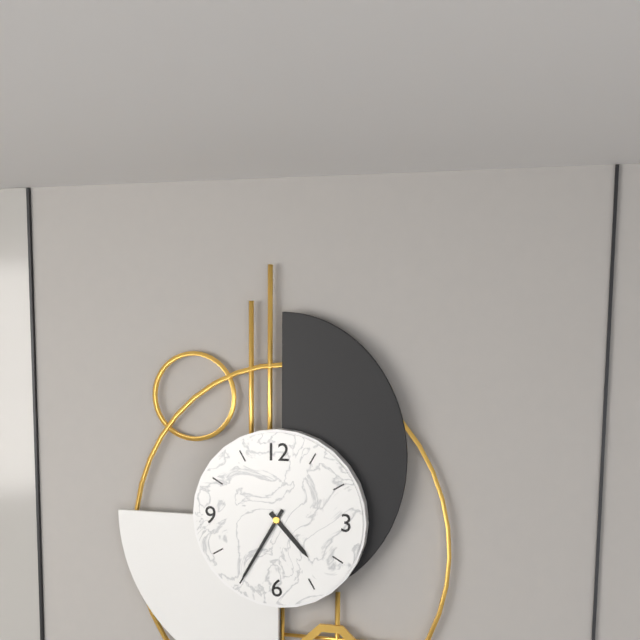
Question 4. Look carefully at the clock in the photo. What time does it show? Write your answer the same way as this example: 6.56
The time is 4.35
